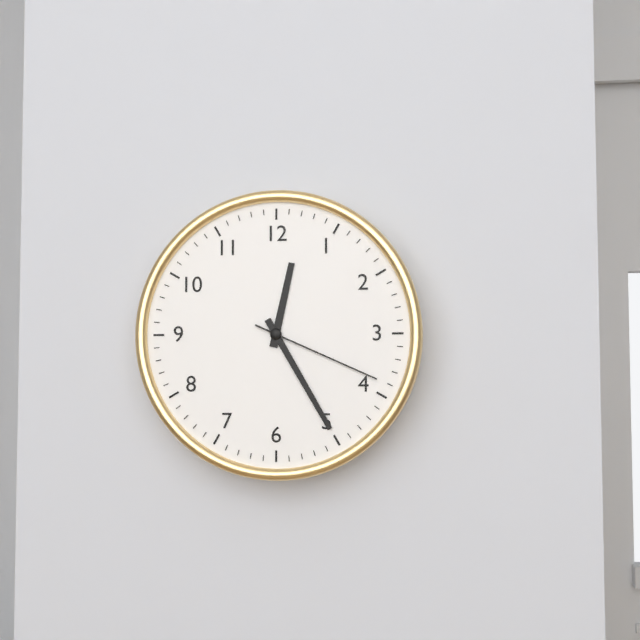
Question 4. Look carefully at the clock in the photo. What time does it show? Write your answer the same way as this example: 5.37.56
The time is 12.25.19
